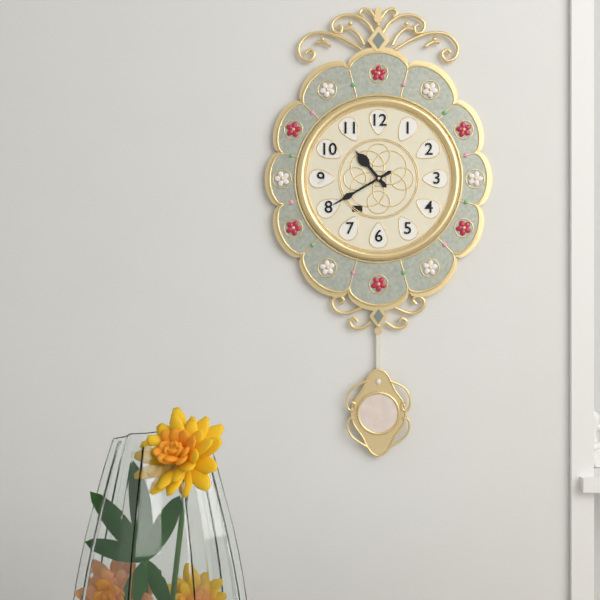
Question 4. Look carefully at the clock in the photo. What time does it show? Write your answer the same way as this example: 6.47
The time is 10.40
